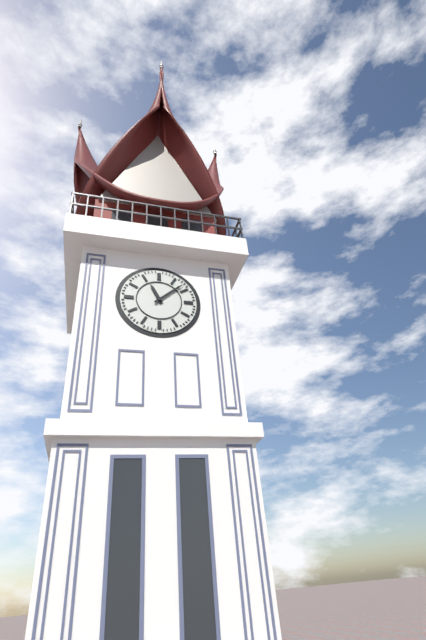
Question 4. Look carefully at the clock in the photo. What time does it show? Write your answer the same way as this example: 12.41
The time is 11.08
